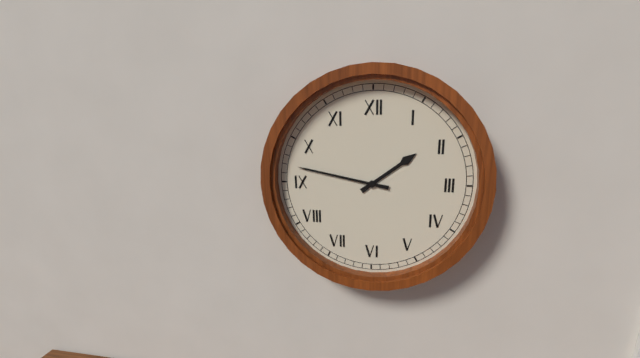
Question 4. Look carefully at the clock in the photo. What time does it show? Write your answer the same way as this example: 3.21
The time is 1.47
